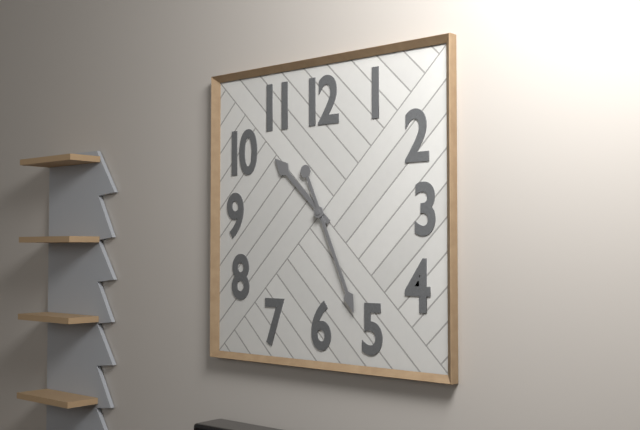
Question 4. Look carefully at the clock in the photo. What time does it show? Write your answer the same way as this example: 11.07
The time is 10.26
